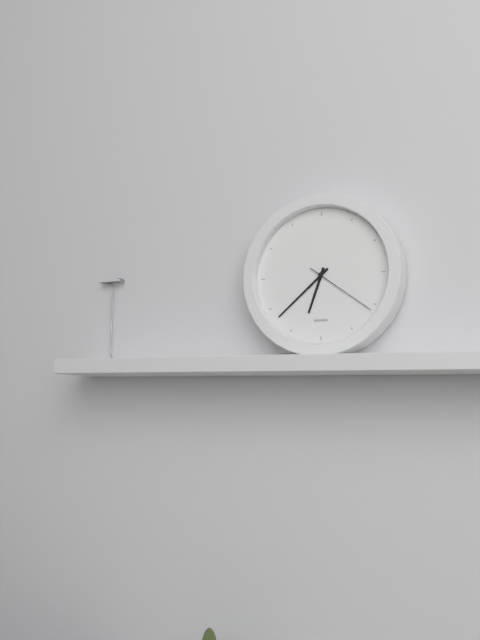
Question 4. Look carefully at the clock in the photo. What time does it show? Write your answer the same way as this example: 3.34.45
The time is 6.38.21
